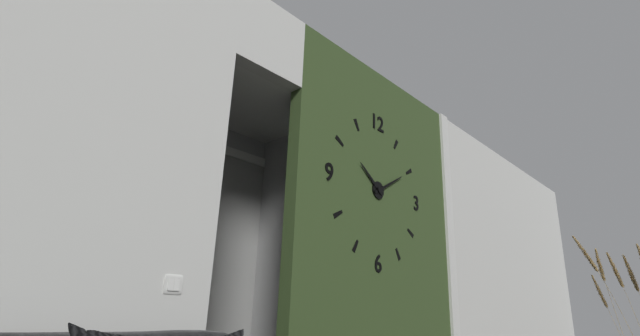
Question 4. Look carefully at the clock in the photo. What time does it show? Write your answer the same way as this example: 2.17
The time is 10.10
